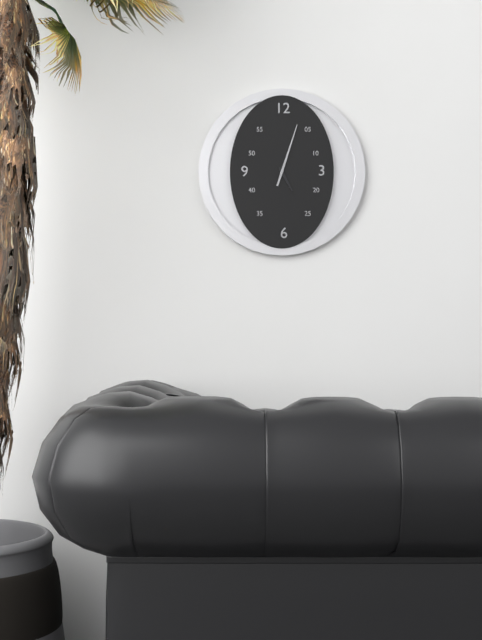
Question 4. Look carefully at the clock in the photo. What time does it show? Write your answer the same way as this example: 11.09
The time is 5.03
